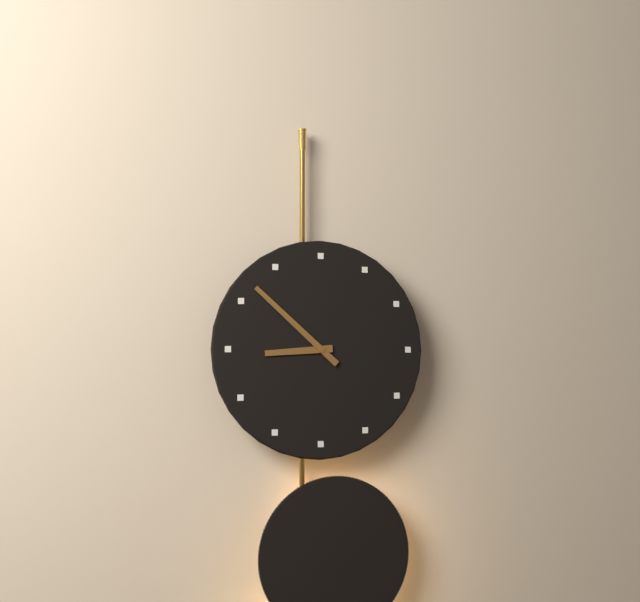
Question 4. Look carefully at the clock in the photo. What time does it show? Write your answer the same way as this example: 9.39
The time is 8.52
